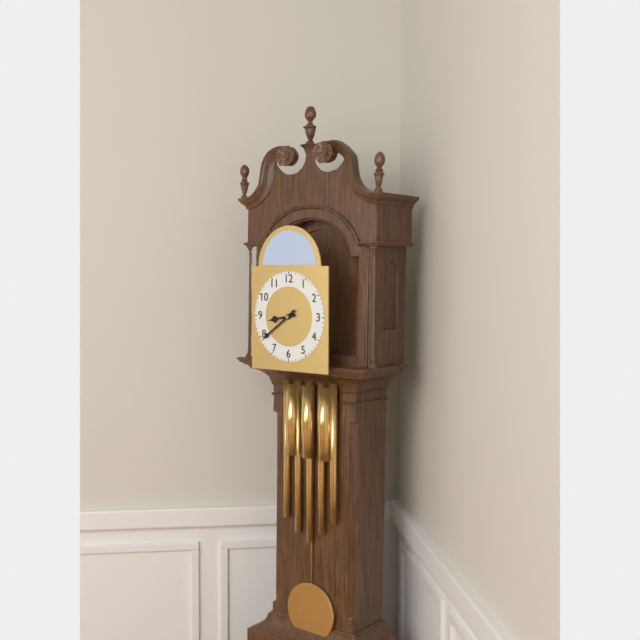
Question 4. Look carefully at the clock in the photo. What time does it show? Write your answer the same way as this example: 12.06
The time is 8.39
